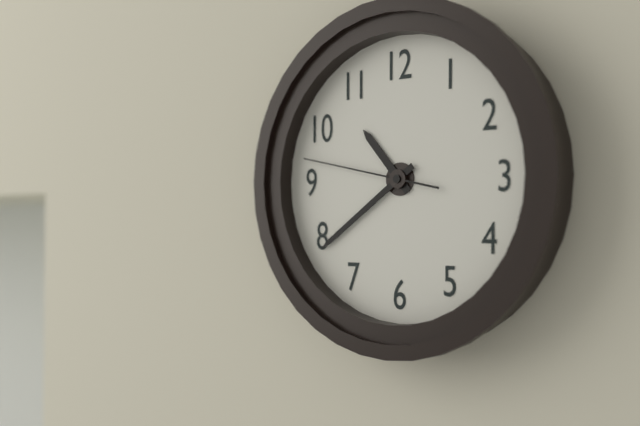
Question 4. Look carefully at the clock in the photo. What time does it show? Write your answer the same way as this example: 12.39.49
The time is 10.39.47
